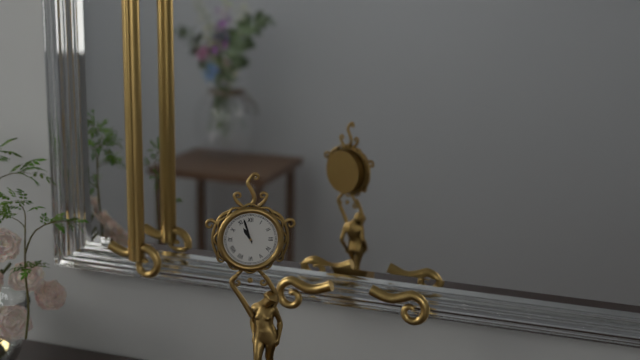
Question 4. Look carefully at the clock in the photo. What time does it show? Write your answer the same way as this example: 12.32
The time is 10.57
